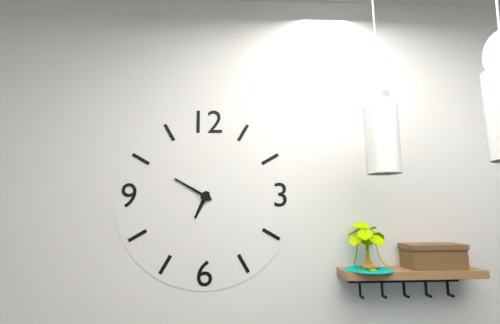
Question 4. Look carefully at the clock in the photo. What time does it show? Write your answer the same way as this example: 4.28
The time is 6.50
